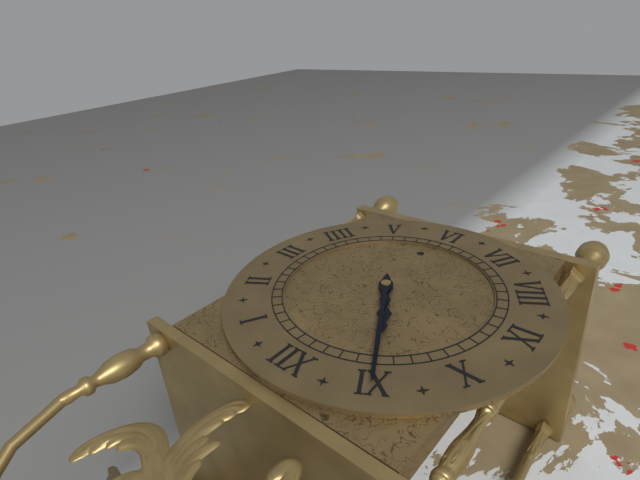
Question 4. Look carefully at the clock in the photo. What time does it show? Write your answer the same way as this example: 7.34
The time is 10.55
